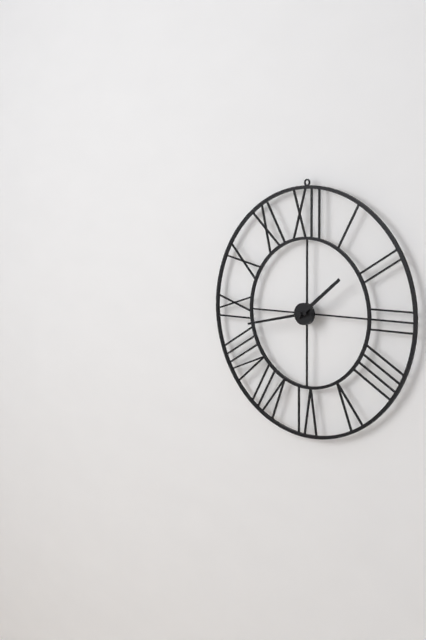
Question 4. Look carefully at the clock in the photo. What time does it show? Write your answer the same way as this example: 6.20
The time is 1.43
